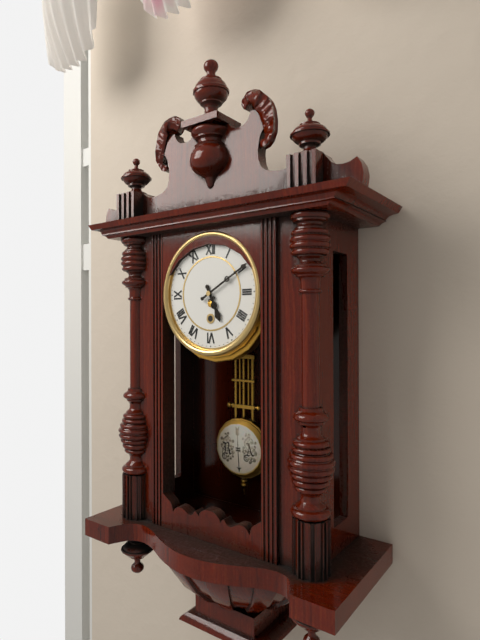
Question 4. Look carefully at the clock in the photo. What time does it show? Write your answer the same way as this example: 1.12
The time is 5.10
